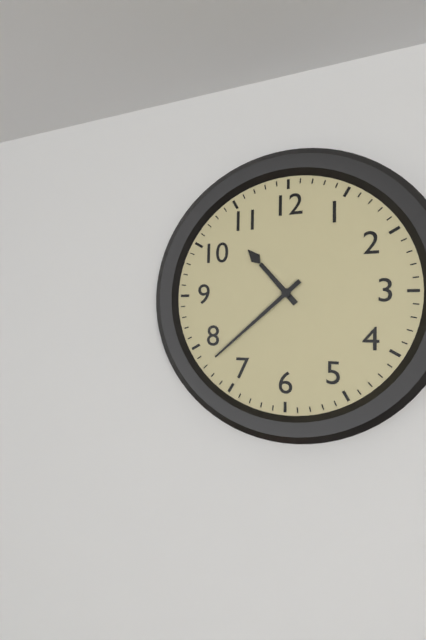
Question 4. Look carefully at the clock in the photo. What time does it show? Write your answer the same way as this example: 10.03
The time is 10.38
